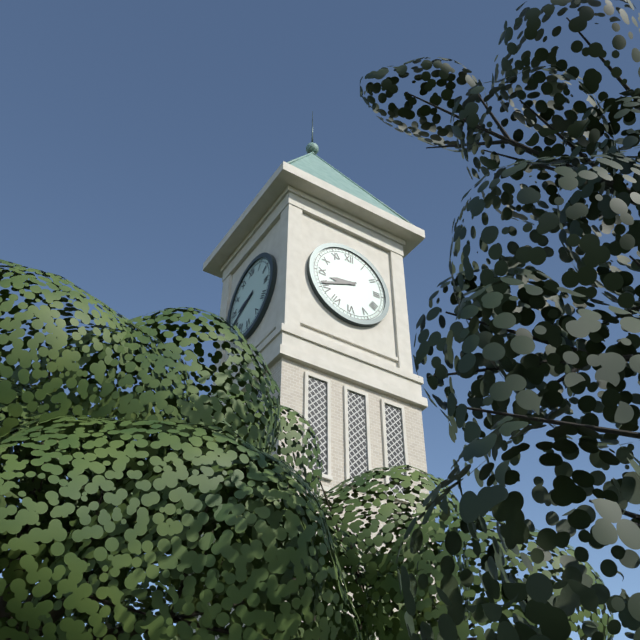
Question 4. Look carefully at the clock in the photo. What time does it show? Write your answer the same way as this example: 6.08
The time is 8.41
